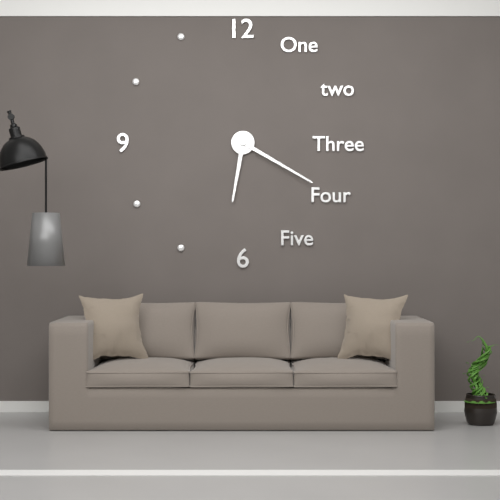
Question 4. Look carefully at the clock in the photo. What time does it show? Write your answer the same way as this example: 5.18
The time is 6.20
